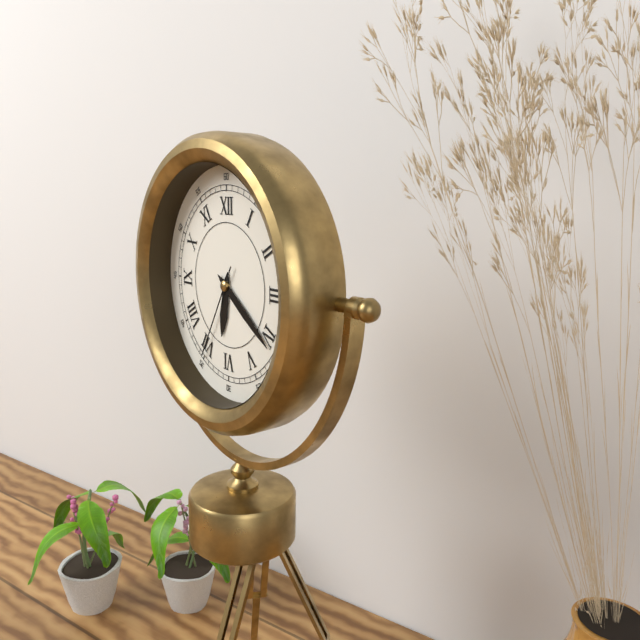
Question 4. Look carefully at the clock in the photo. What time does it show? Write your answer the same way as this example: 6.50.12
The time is 6.21.35
